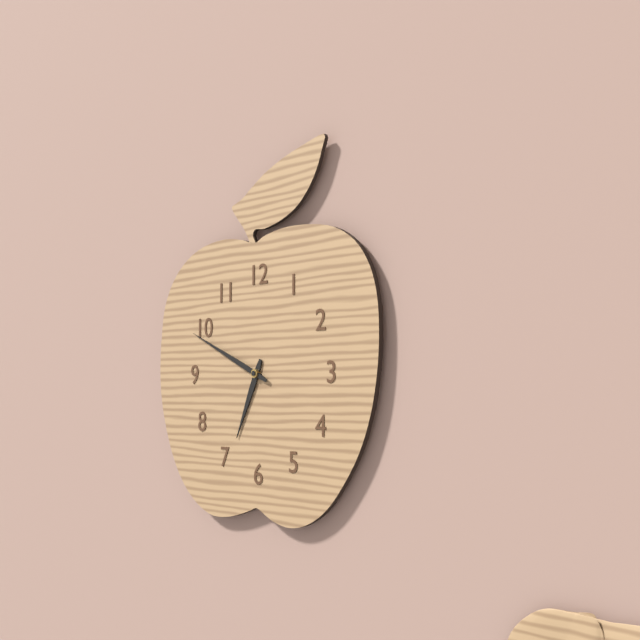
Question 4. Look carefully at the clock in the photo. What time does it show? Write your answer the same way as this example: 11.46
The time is 6.49
